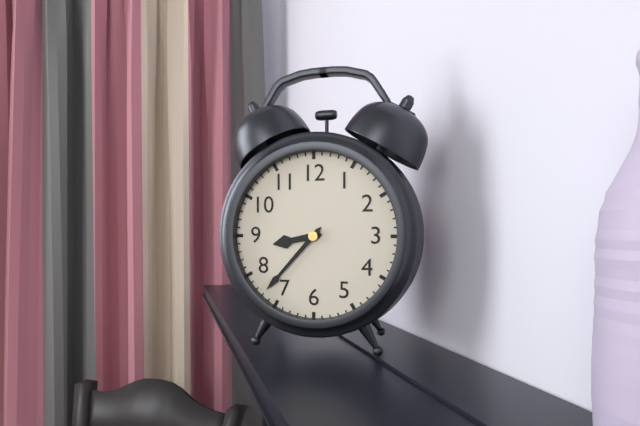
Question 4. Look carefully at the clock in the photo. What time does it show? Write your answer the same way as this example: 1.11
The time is 8.37
